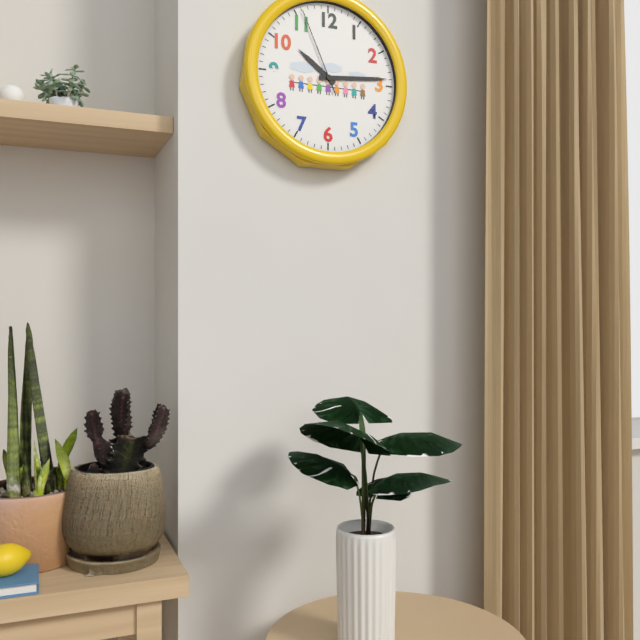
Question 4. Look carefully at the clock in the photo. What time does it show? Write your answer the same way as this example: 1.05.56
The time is 10.14.56
